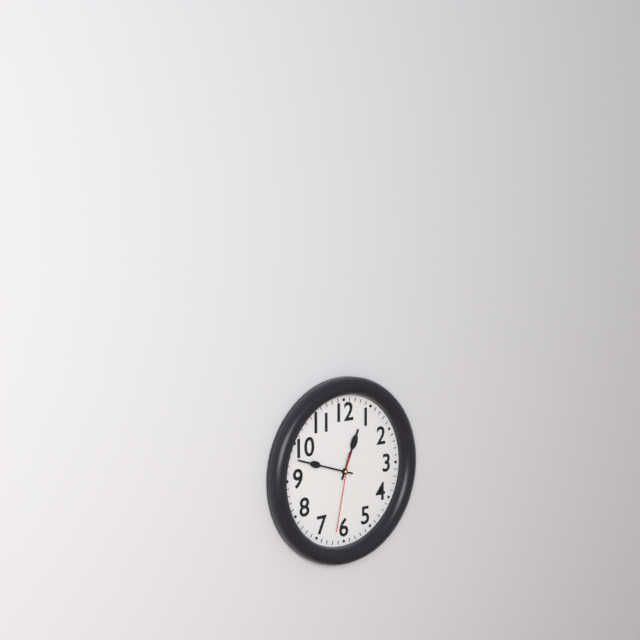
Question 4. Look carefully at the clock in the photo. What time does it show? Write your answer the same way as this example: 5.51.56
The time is 12.48.32
